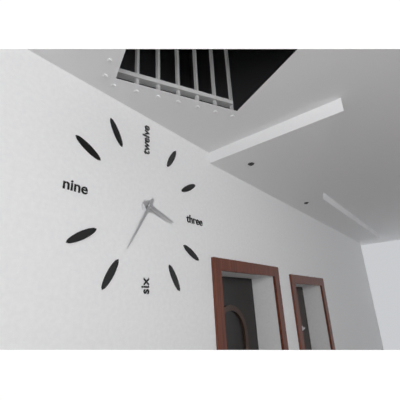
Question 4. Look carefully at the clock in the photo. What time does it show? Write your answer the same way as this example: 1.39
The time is 3.35
